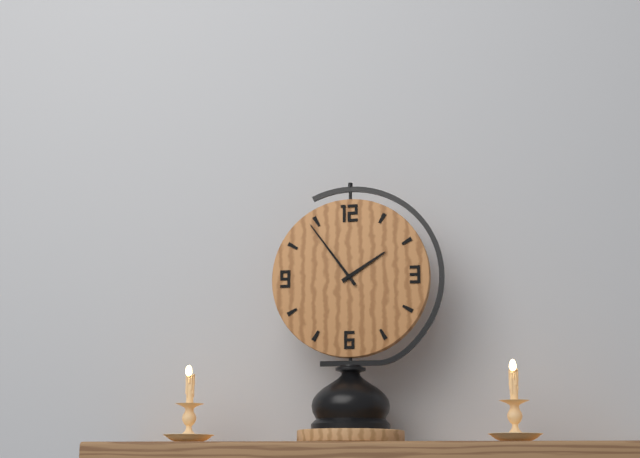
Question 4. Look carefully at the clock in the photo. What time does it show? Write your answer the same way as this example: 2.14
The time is 1.54
